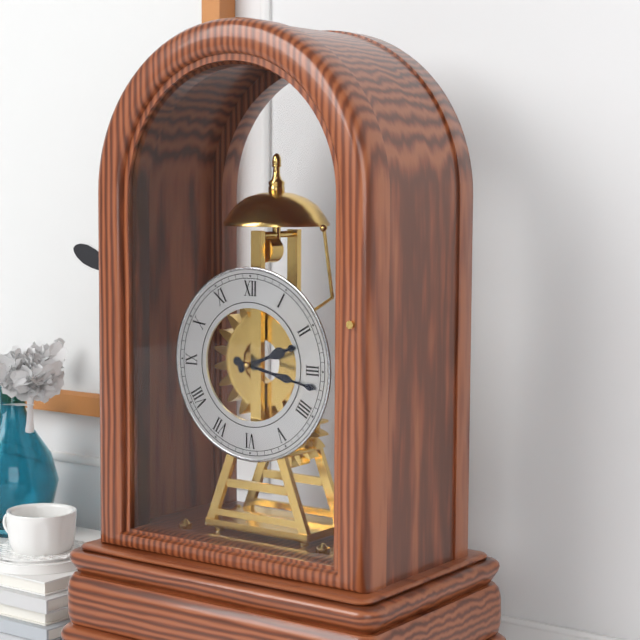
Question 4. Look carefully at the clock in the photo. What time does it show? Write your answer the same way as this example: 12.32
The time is 2.17
